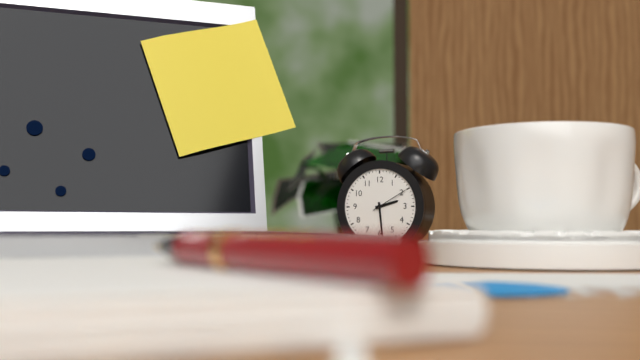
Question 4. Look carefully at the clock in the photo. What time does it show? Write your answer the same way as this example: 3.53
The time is 2.29
